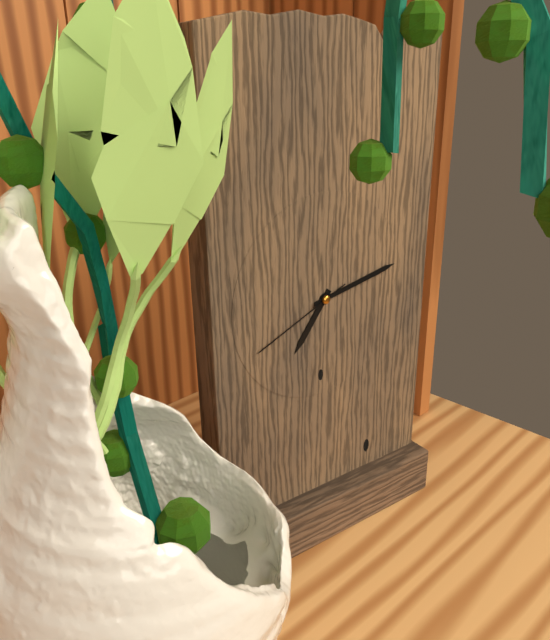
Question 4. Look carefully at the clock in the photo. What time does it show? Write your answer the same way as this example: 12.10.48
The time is 7.13.41
